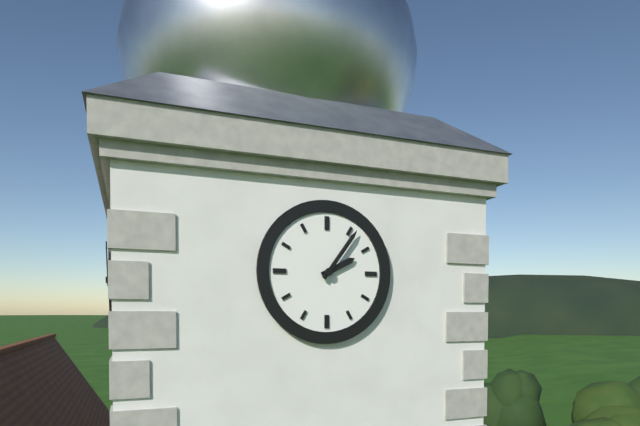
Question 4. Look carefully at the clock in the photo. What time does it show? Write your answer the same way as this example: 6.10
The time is 2.06
